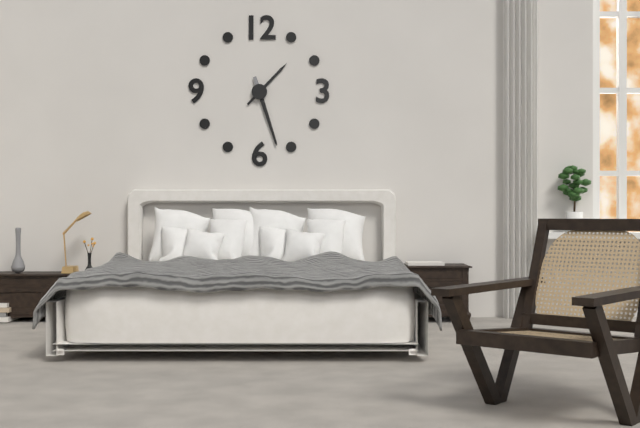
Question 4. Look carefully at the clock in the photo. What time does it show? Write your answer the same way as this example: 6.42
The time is 1.27
